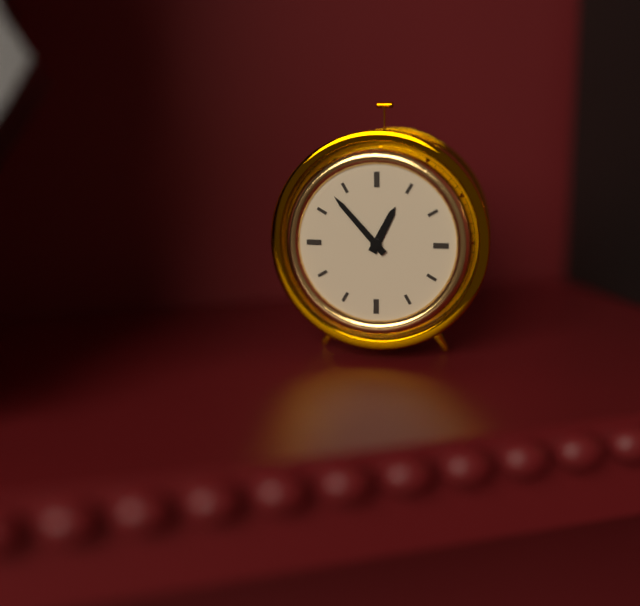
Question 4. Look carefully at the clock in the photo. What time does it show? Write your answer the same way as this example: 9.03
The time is 12.53
